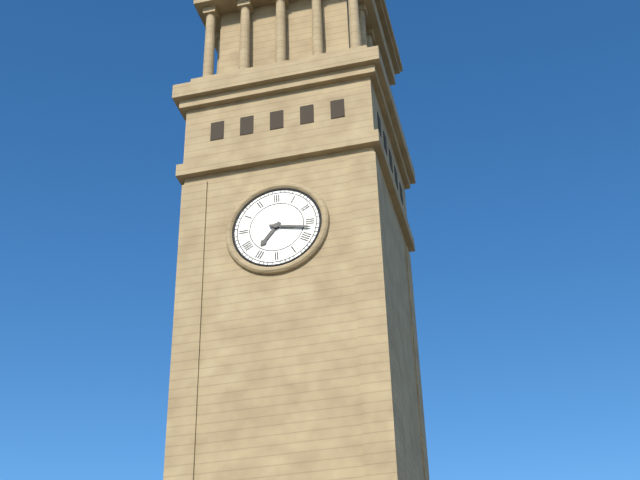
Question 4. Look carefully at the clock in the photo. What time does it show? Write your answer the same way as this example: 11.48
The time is 7.17
